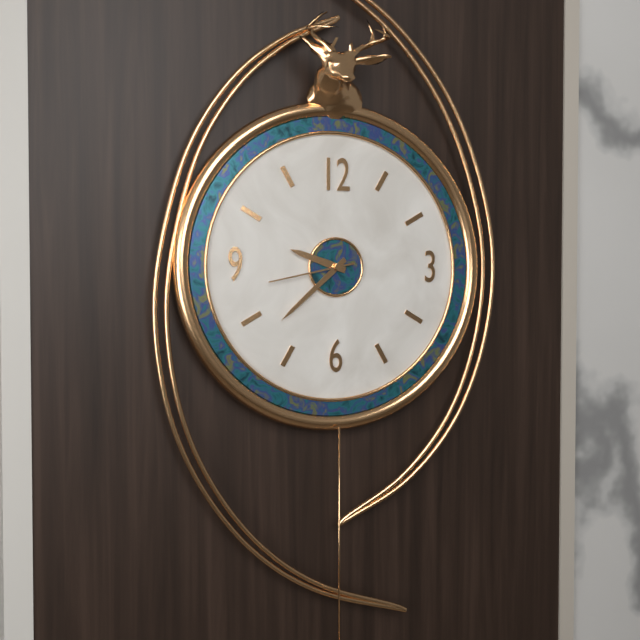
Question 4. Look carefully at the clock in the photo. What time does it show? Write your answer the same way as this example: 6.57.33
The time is 9.38.43
